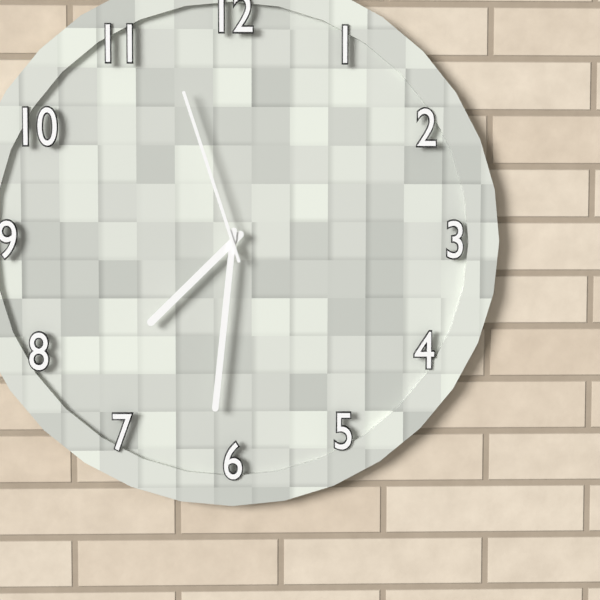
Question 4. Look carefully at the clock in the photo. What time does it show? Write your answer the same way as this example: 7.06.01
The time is 7.31.57
